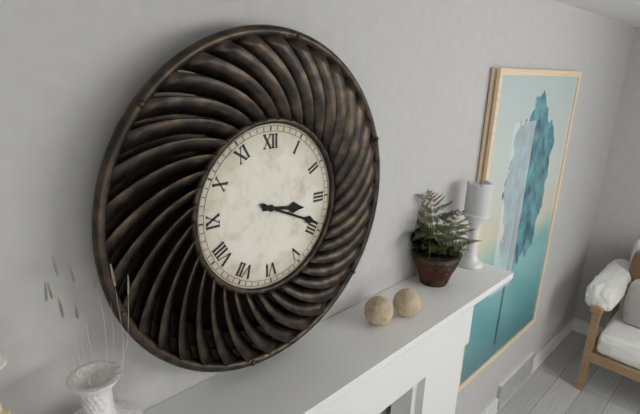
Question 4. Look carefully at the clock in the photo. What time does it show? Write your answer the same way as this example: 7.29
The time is 3.19
